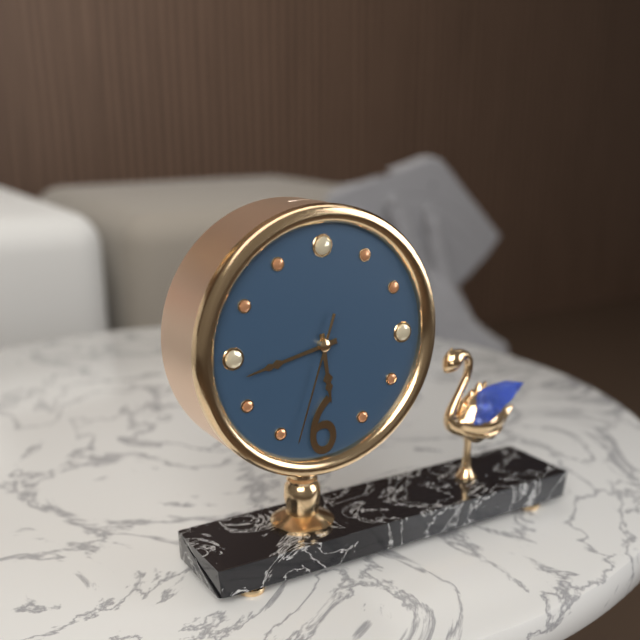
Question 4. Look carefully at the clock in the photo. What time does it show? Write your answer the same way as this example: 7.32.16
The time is 5.43.33
